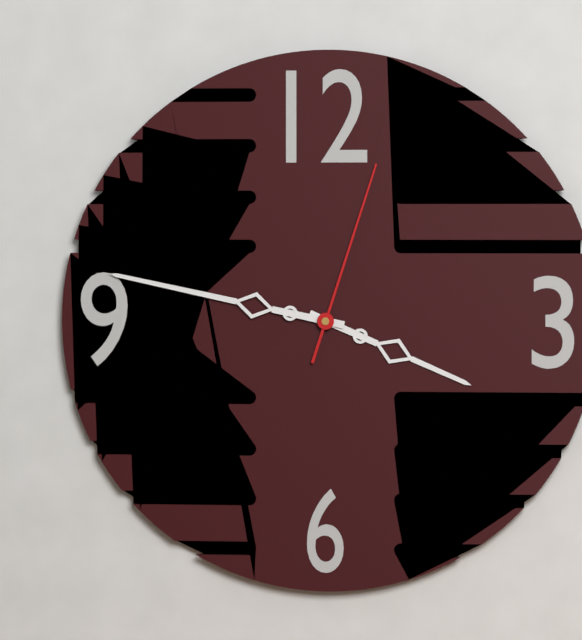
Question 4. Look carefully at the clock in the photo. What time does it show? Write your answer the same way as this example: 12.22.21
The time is 3.47.03
